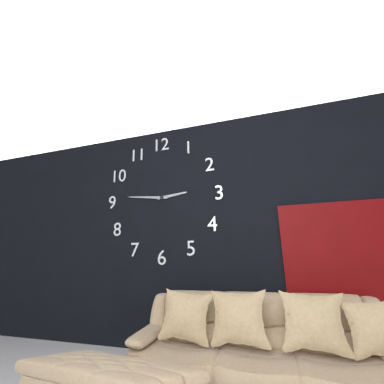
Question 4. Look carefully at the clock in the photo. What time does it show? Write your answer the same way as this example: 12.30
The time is 2.46
